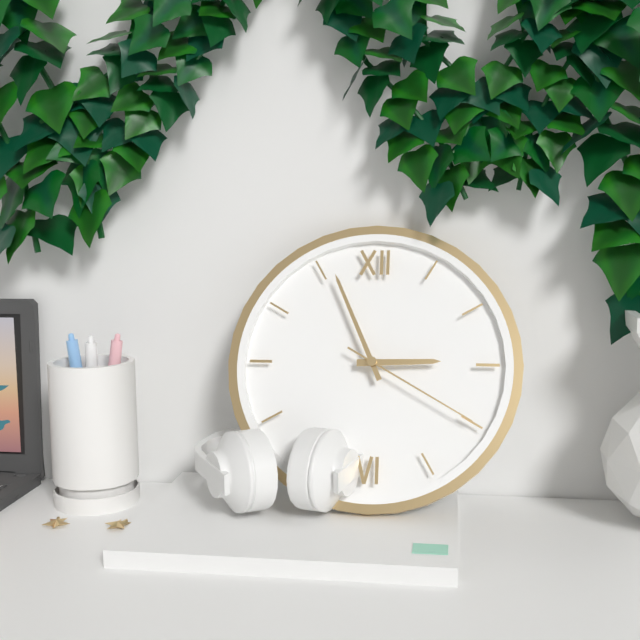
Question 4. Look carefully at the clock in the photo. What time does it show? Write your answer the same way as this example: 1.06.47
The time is 2.56.20
